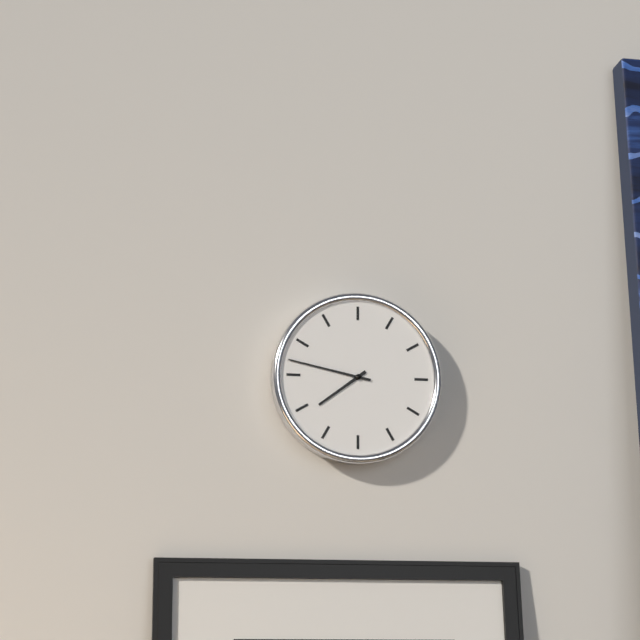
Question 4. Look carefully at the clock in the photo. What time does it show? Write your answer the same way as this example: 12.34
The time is 7.47
